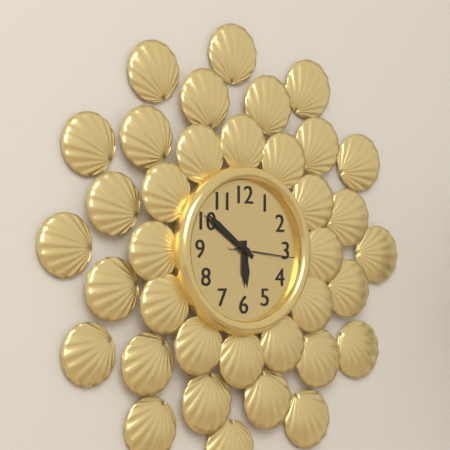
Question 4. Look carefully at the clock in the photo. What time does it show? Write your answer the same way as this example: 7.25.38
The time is 5.51.16
